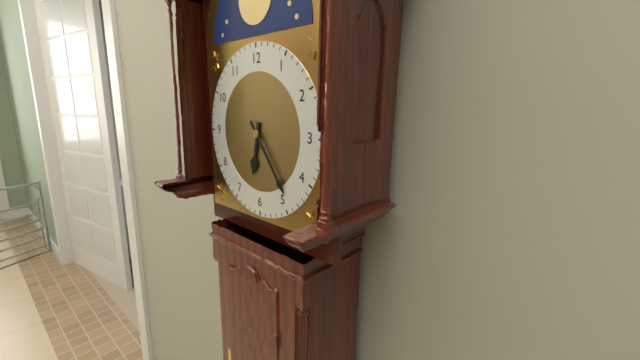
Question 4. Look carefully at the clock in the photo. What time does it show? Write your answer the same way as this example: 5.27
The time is 6.24
